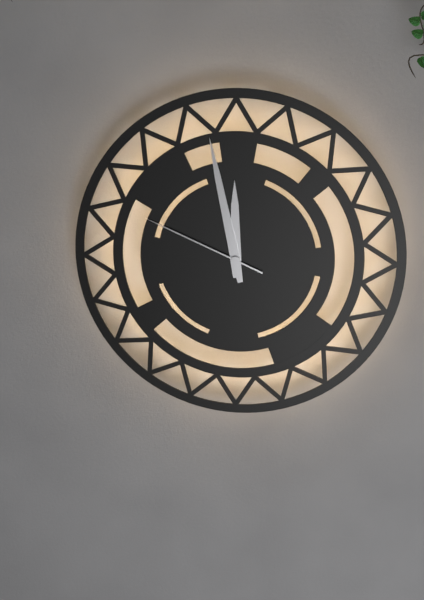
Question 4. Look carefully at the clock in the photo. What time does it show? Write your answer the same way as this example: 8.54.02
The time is 11.58.49
